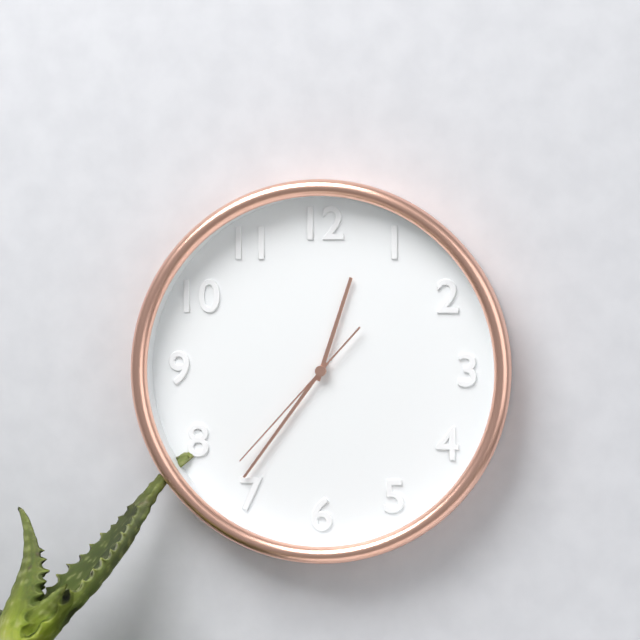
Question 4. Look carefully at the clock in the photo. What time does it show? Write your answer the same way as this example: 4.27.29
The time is 12.36.37
